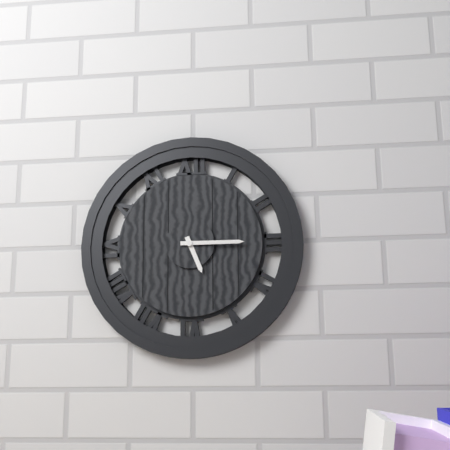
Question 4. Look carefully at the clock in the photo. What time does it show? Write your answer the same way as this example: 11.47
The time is 5.15
